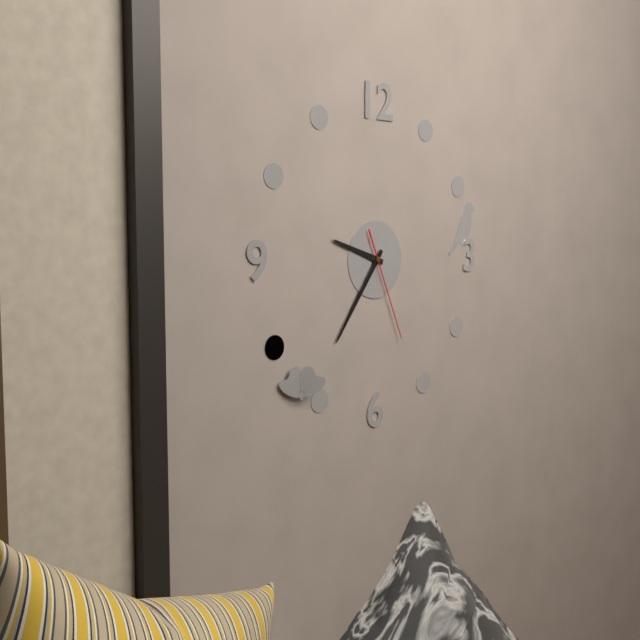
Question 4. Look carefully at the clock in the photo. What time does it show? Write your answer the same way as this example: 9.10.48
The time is 9.36.26
